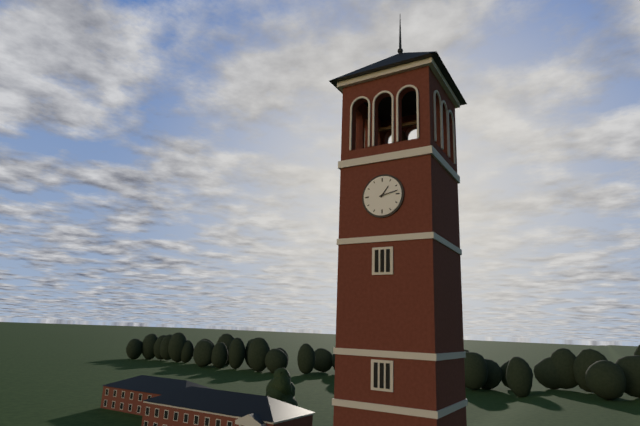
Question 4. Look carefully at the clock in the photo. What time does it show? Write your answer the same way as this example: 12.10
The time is 1.13
